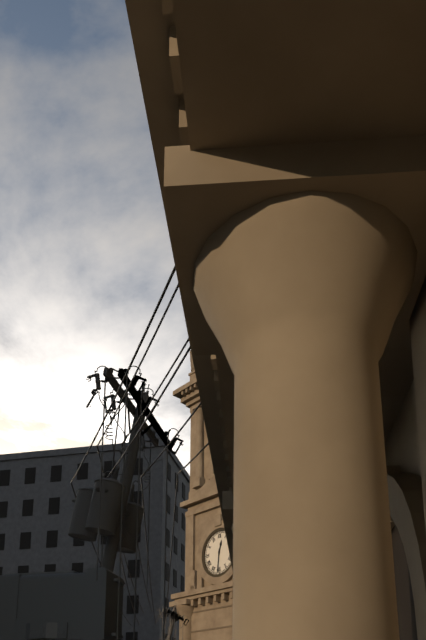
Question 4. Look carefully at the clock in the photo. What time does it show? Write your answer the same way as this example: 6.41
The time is 12.31
